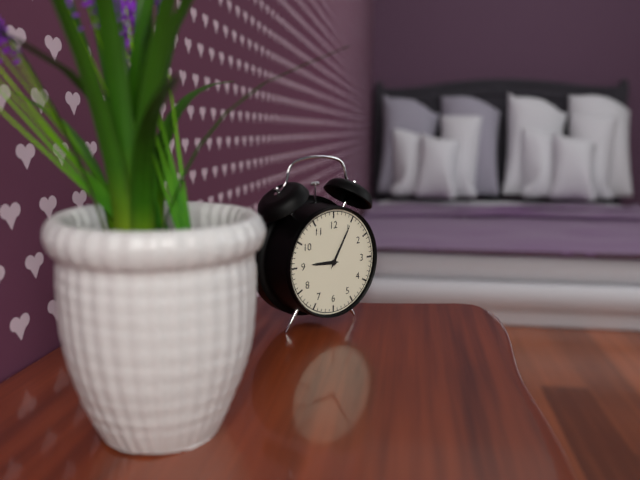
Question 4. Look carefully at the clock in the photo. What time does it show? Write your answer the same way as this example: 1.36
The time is 9.05
